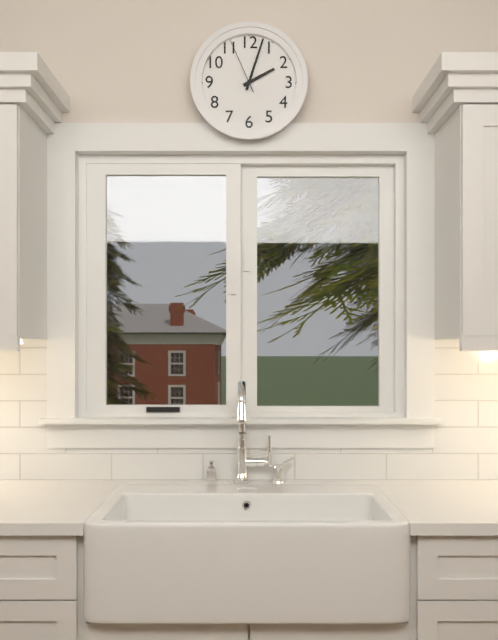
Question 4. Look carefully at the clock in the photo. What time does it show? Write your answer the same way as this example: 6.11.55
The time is 2.03.56
